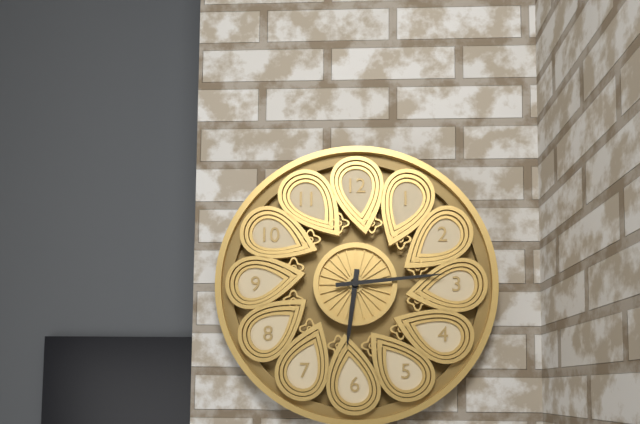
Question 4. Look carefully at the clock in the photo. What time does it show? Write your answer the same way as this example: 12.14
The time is 6.14
